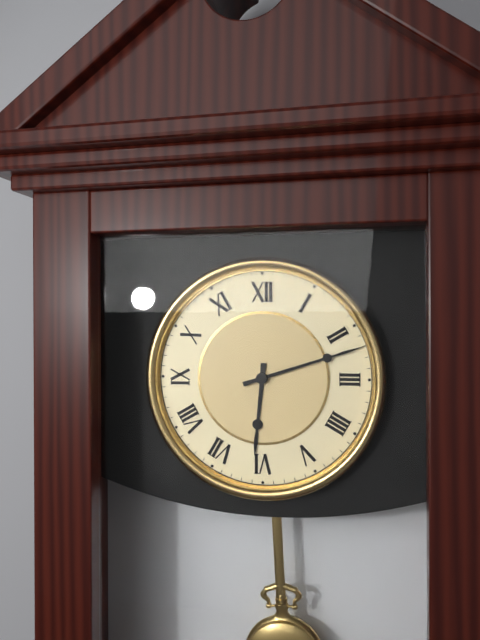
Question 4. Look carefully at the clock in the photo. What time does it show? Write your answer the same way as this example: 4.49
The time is 6.12
